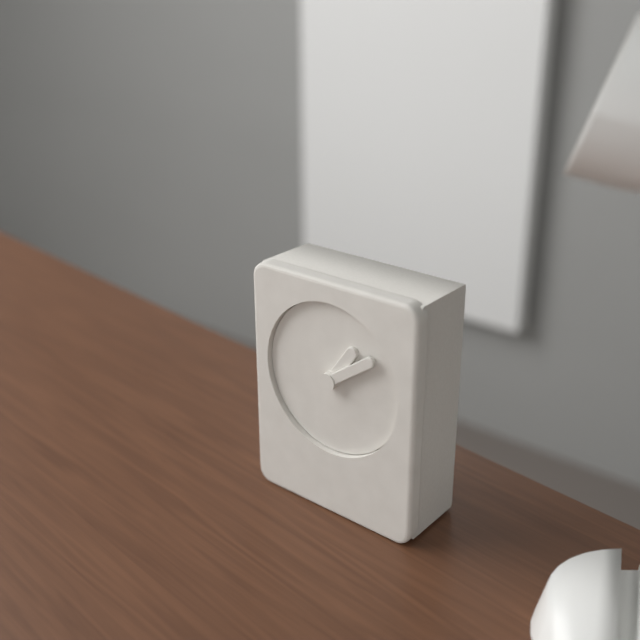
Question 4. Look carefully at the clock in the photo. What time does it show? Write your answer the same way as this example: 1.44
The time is 1.09
